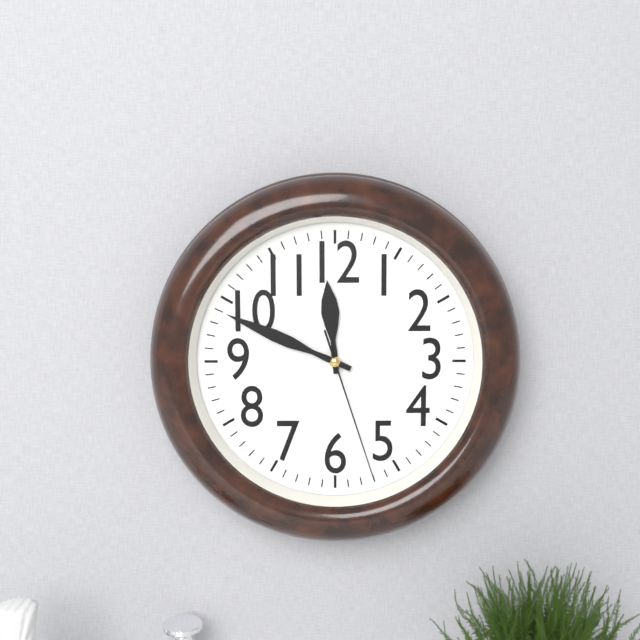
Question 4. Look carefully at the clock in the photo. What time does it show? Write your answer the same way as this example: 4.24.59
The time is 11.49.27
